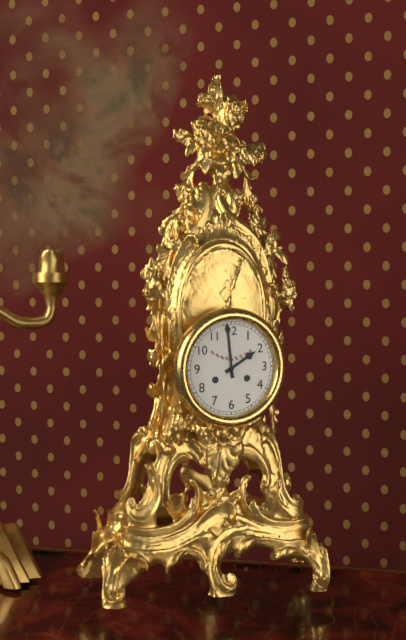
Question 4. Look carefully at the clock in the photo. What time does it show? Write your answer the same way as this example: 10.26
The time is 1.59
